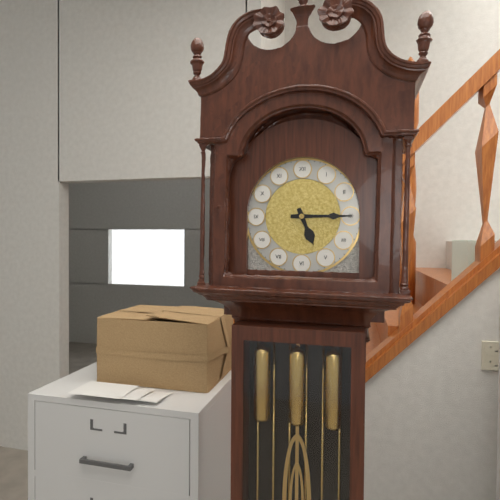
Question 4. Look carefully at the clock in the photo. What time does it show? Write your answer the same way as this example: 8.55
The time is 5.15
